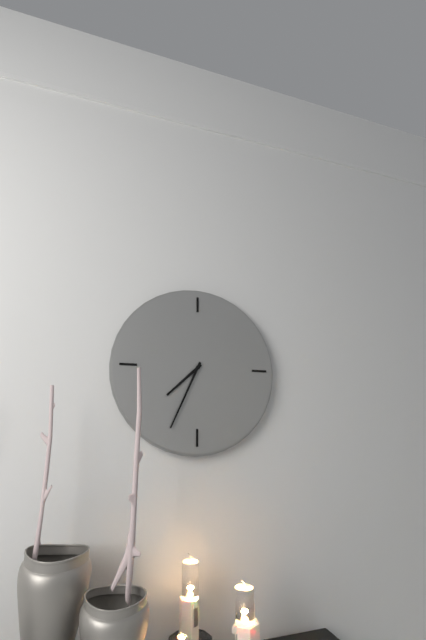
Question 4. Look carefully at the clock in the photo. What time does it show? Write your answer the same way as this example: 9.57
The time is 7.34
